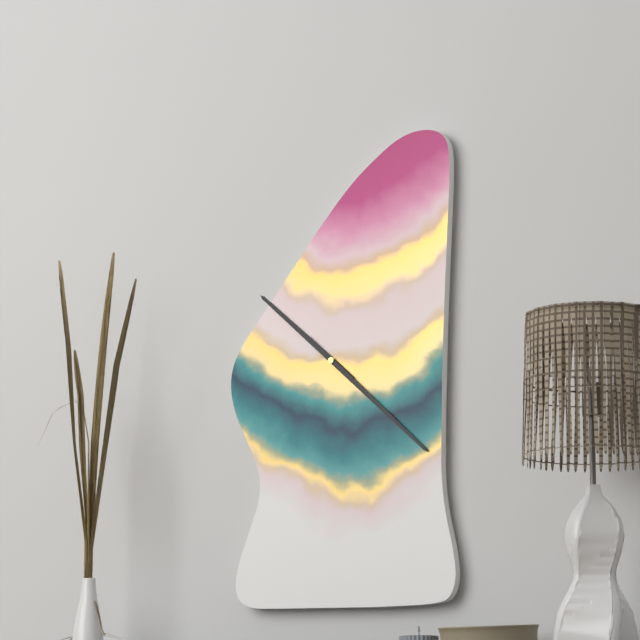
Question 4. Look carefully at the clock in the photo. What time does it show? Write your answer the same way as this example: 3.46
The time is 10.22
